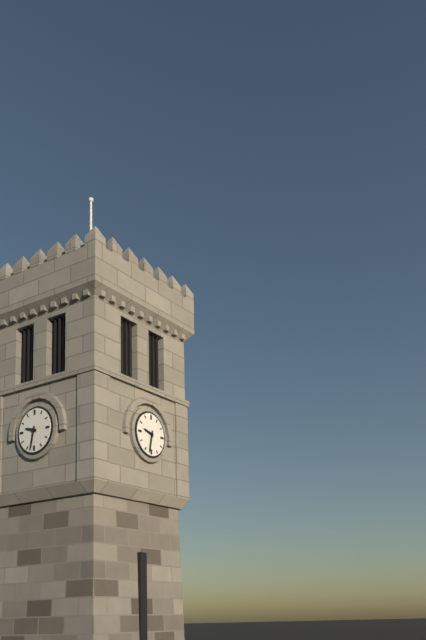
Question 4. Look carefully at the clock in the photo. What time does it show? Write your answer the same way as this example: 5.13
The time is 9.32
